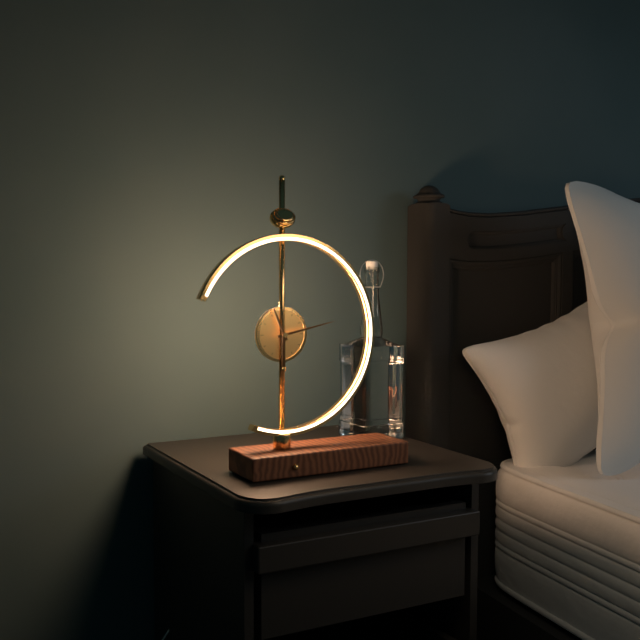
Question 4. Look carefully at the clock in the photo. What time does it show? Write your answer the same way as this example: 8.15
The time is 11.13
